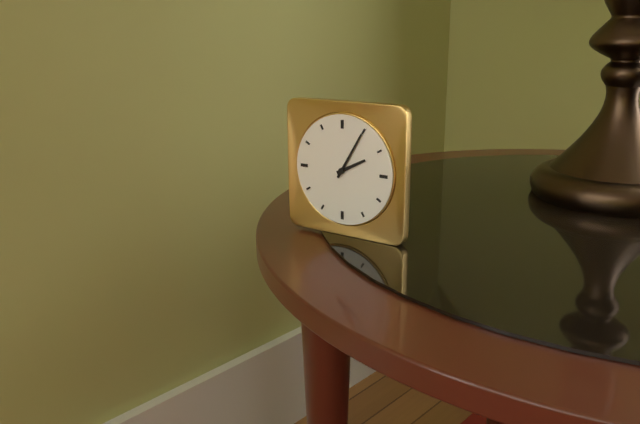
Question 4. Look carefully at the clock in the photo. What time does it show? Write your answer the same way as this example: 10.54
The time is 2.05
